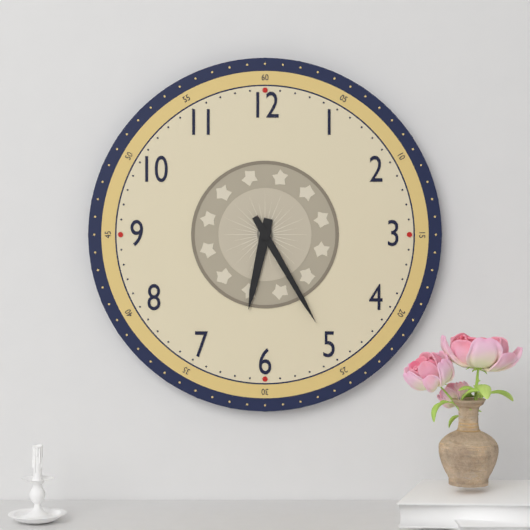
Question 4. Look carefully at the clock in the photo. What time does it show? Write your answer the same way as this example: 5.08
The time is 6.25
